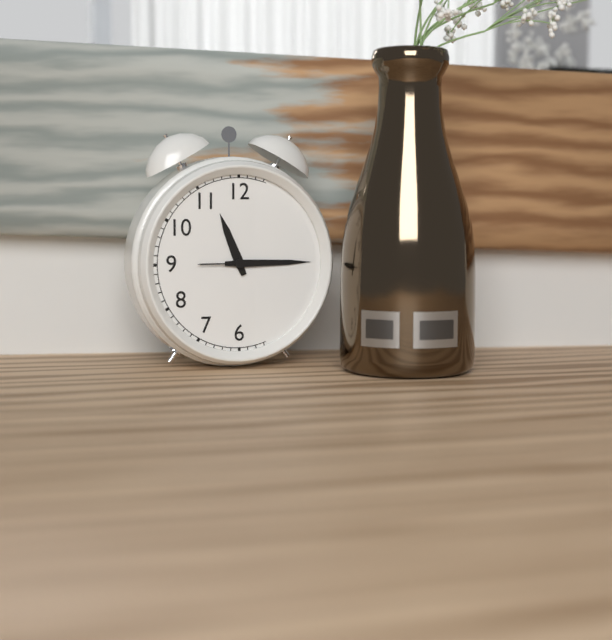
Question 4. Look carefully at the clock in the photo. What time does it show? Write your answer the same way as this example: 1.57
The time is 11.15
